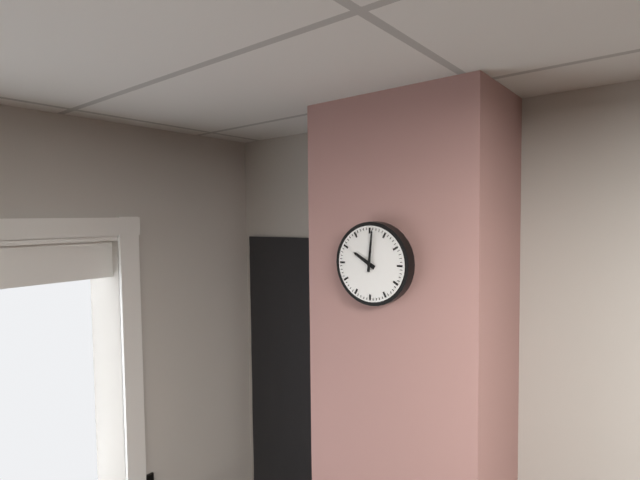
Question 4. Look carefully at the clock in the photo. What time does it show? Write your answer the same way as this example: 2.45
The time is 10.01
